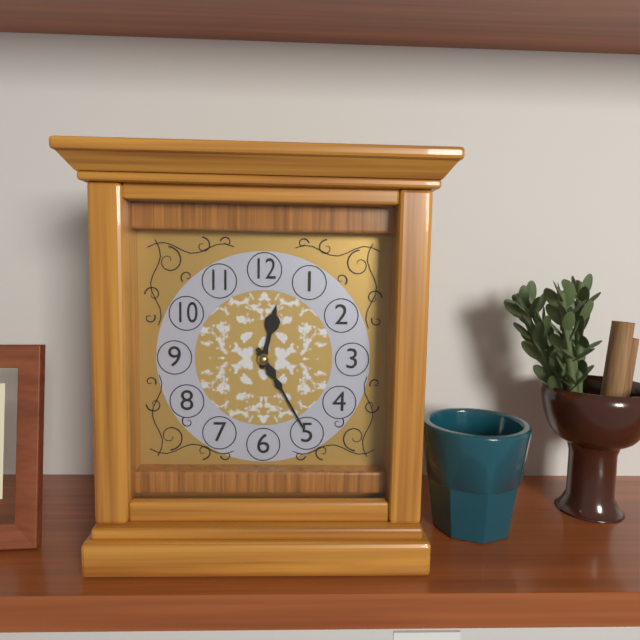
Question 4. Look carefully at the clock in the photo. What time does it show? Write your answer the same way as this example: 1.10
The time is 12.25
